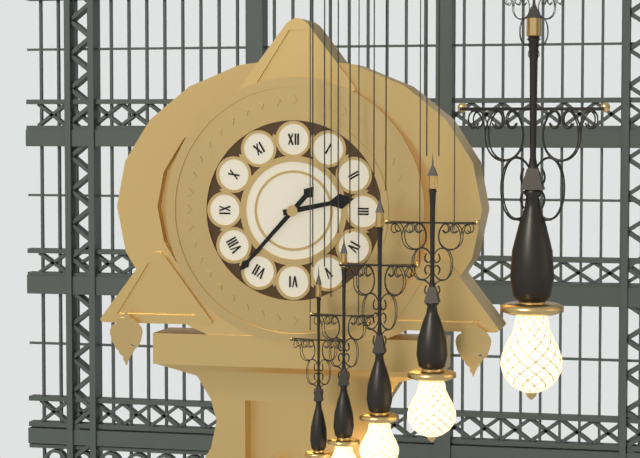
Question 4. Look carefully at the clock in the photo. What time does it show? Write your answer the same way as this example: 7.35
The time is 2.37
